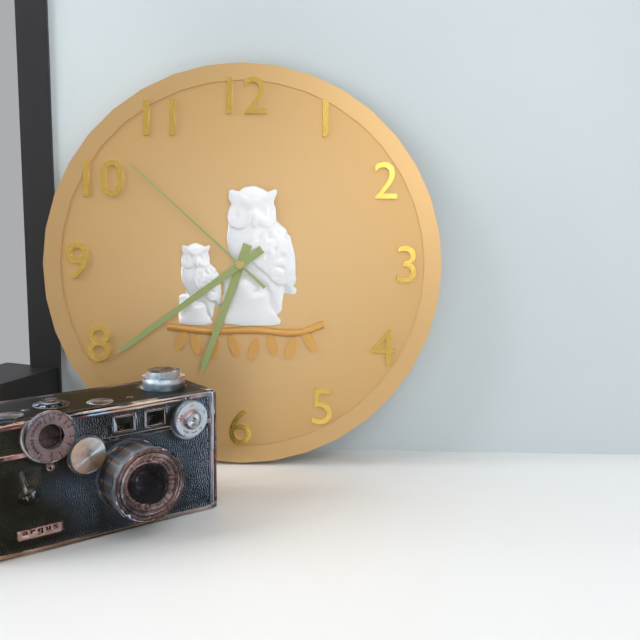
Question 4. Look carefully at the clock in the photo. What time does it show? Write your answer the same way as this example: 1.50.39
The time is 6.39.52
